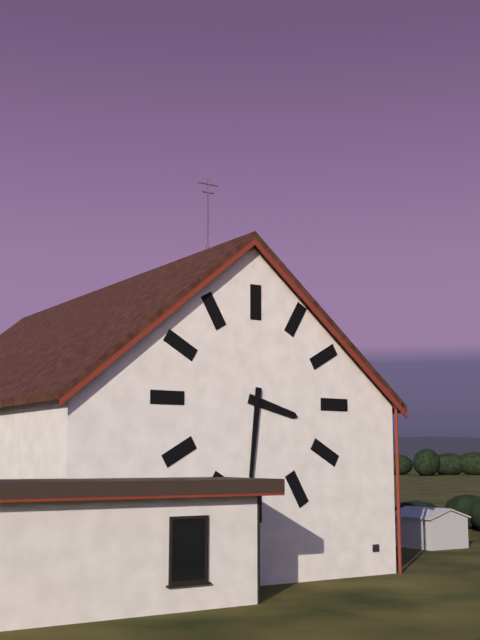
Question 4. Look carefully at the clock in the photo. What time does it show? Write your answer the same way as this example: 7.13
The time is 3.31
